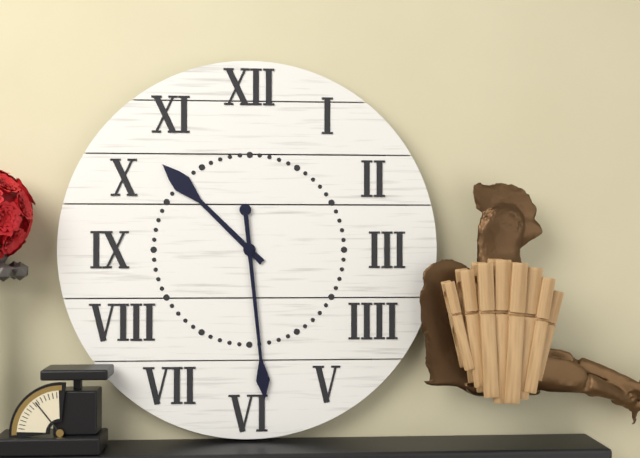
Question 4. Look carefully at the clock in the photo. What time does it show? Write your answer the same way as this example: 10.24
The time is 10.29
